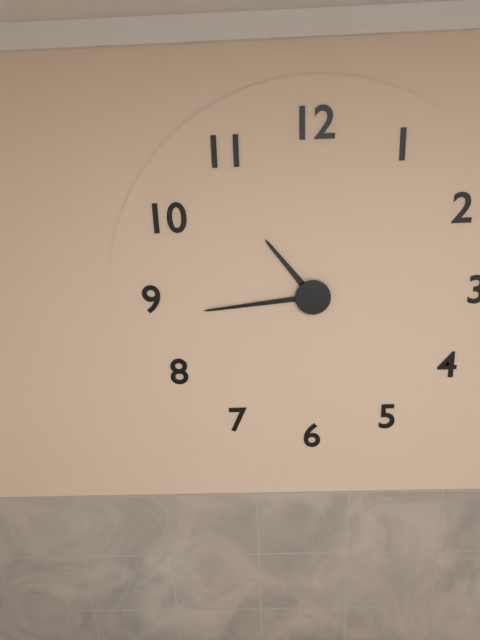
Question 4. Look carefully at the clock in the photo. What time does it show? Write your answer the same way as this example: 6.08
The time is 10.44
